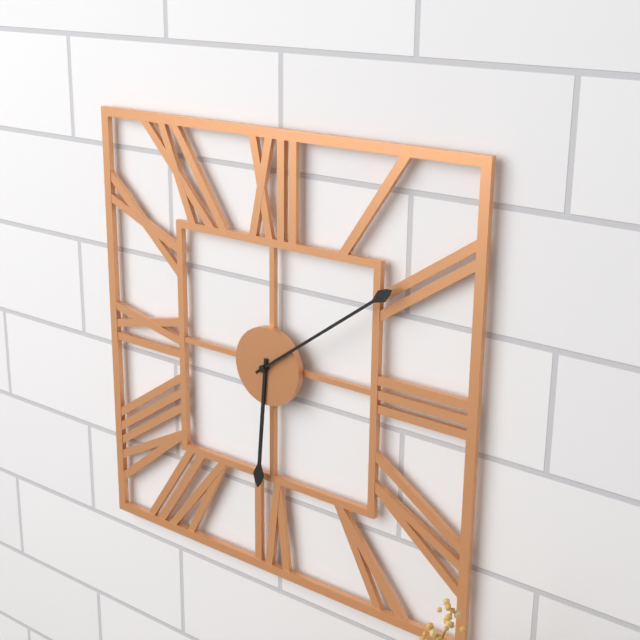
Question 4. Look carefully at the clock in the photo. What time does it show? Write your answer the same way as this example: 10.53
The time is 6.09
